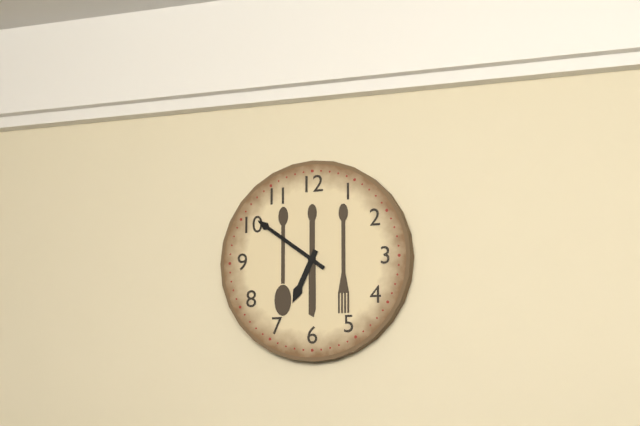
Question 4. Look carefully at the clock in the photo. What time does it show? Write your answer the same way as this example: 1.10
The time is 6.51
